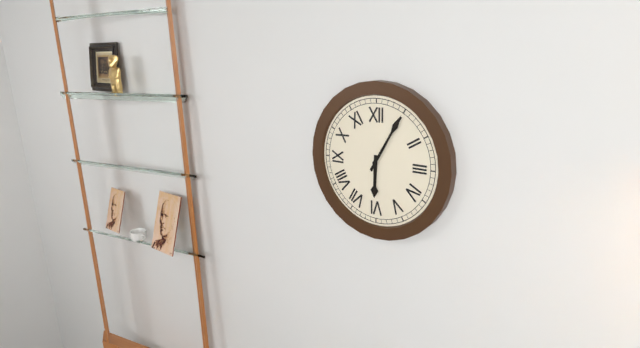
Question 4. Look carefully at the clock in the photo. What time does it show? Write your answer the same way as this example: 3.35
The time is 6.05
